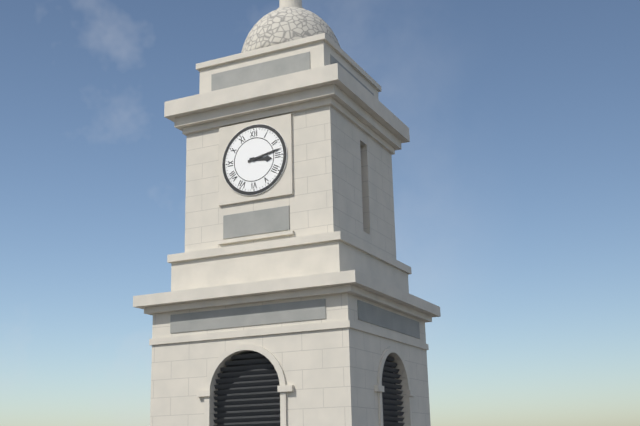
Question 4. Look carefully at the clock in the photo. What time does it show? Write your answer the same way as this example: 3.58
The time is 3.13
